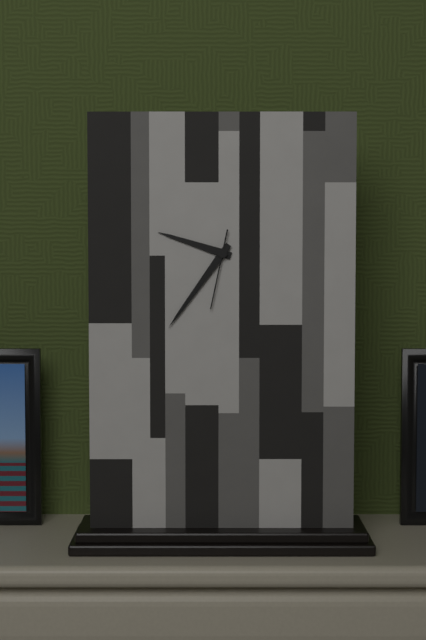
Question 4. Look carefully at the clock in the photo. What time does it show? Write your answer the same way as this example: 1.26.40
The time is 9.36.32
